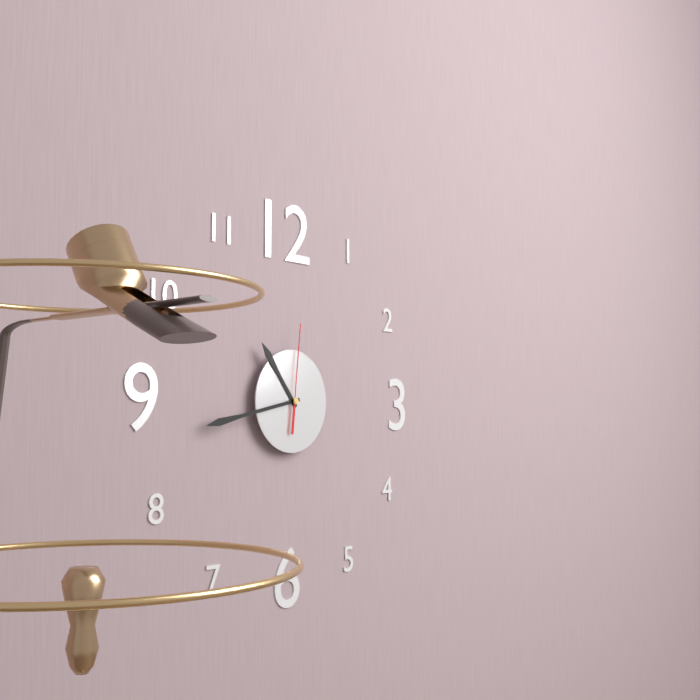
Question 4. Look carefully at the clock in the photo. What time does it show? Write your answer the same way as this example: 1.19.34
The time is 10.43.01
